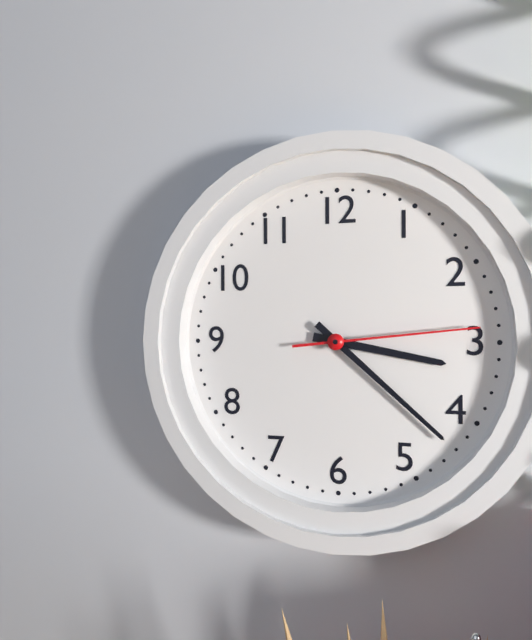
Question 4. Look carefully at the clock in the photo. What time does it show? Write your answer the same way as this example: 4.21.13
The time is 3.22.14
